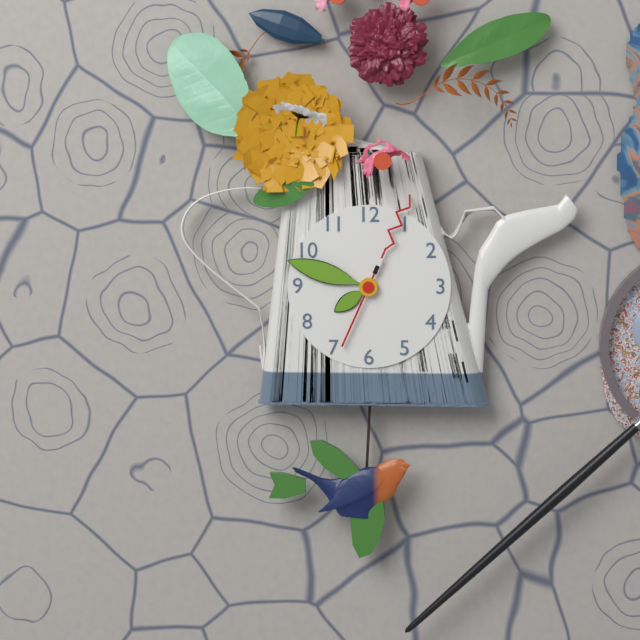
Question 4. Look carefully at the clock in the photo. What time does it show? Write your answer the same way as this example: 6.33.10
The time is 7.48.04
